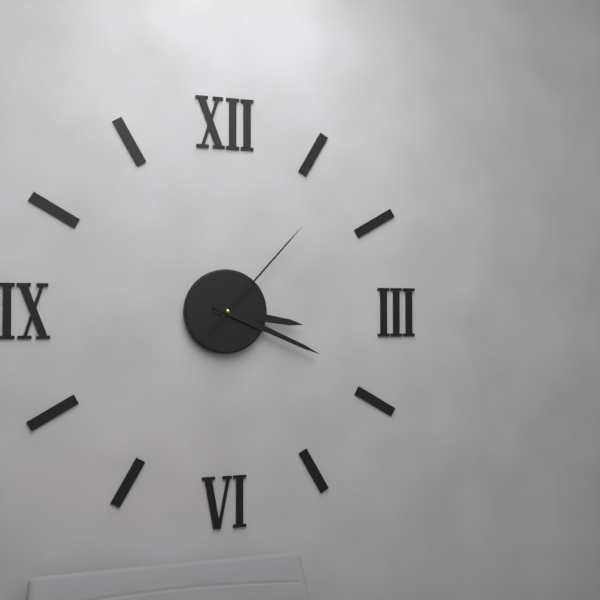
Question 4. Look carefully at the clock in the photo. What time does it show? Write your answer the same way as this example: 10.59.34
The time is 3.19.07
